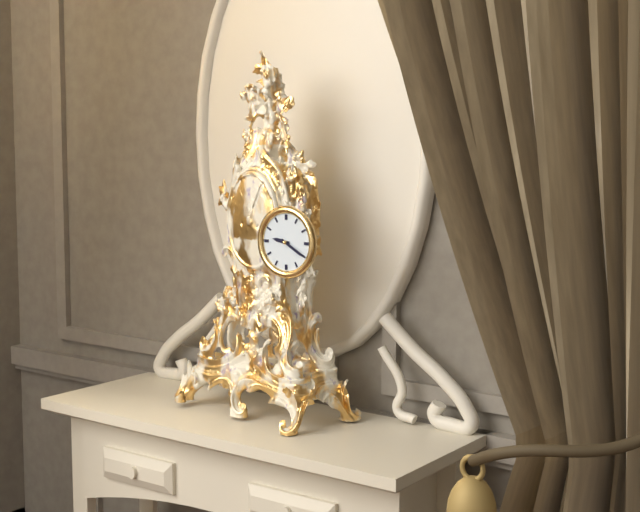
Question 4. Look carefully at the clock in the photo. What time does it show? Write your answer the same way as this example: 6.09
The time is 9.20
